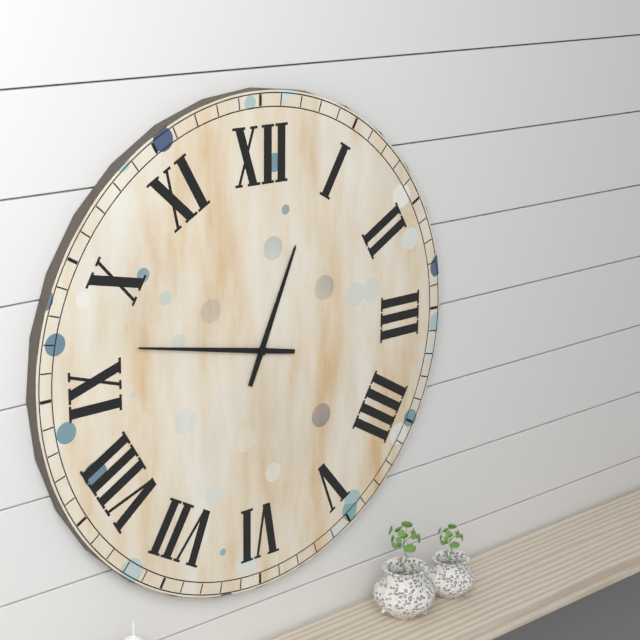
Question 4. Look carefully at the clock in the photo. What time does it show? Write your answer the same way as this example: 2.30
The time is 12.47
